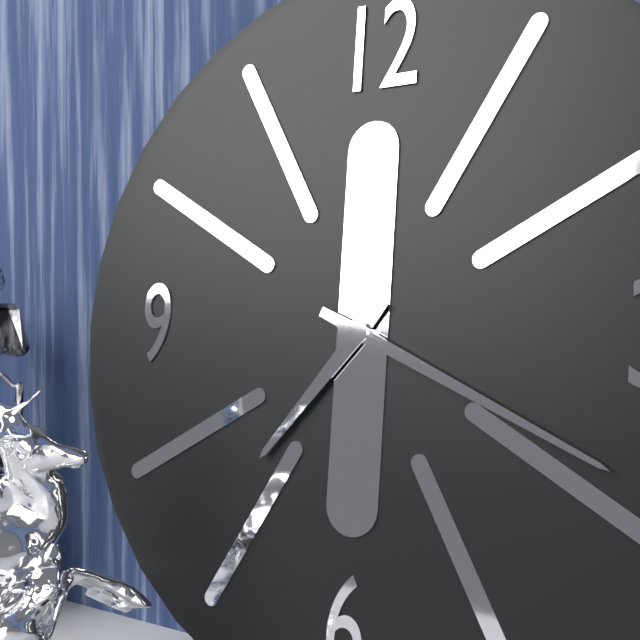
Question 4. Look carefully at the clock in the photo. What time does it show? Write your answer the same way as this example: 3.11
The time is 7.19
